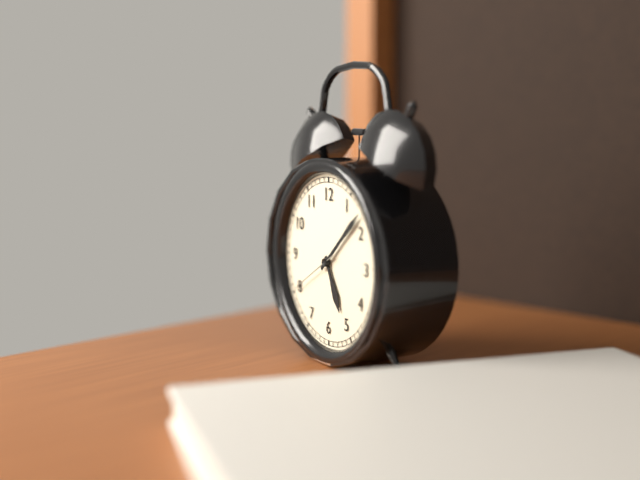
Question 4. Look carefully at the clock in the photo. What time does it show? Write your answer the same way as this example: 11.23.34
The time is 5.08.40
